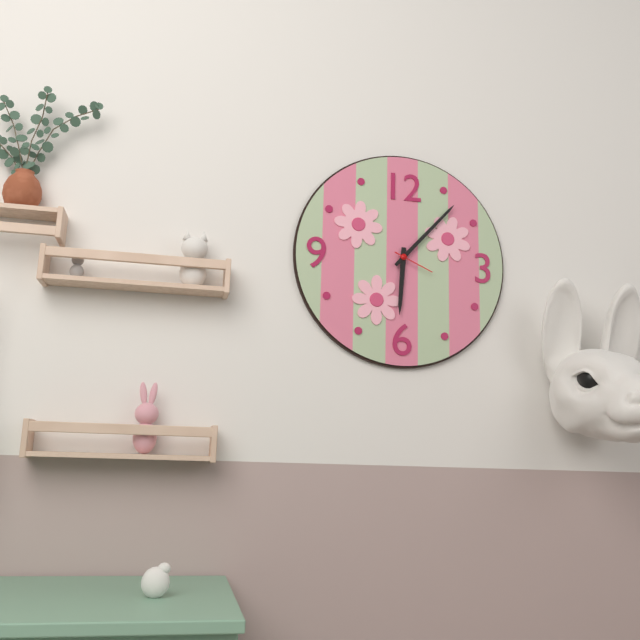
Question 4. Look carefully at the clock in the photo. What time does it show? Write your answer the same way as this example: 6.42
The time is 6.07
